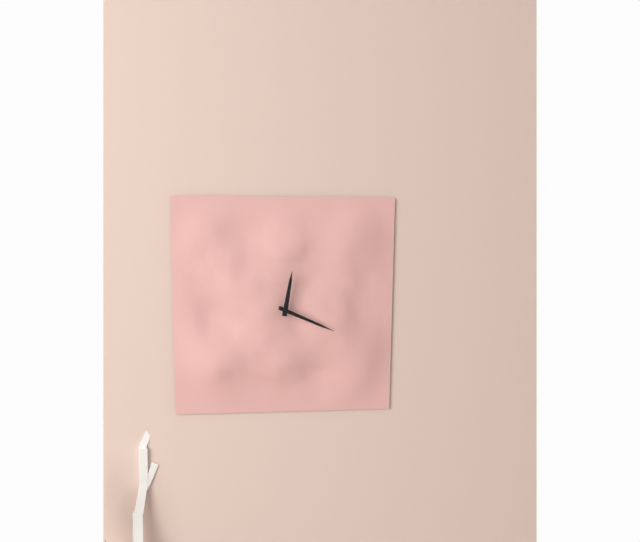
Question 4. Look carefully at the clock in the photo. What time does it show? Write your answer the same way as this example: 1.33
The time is 12.19
